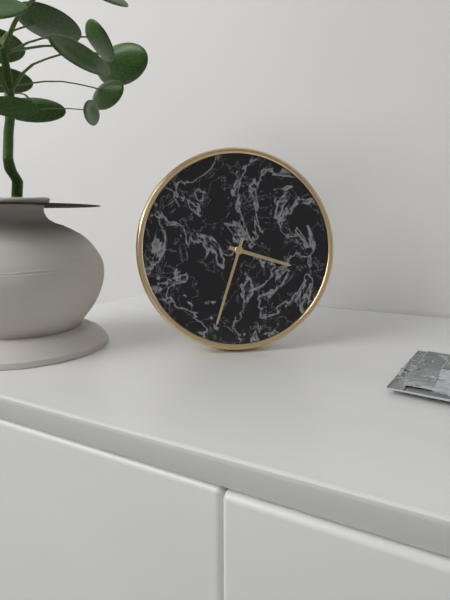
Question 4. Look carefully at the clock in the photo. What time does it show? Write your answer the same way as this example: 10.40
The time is 3.33
